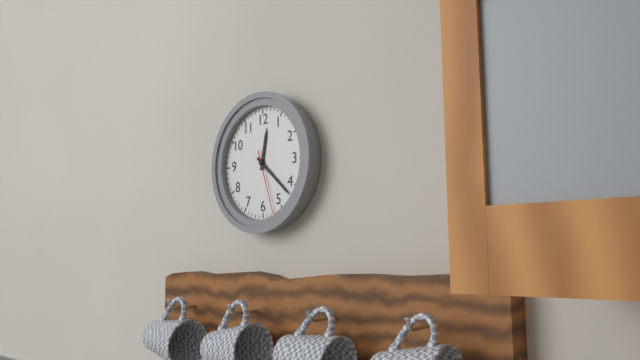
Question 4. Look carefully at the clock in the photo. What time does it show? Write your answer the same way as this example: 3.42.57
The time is 12.22.27
